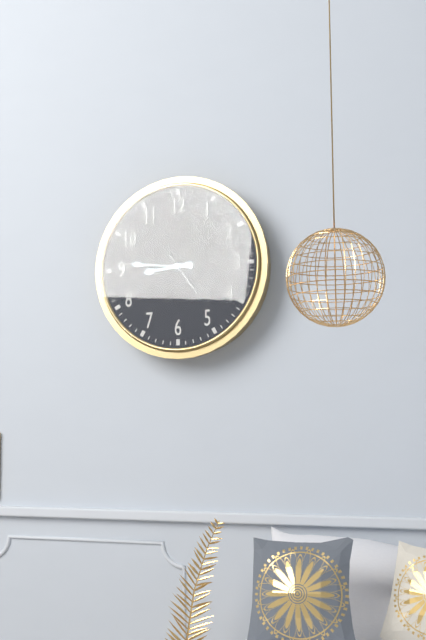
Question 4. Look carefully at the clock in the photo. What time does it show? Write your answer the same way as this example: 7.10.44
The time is 8.46.24
